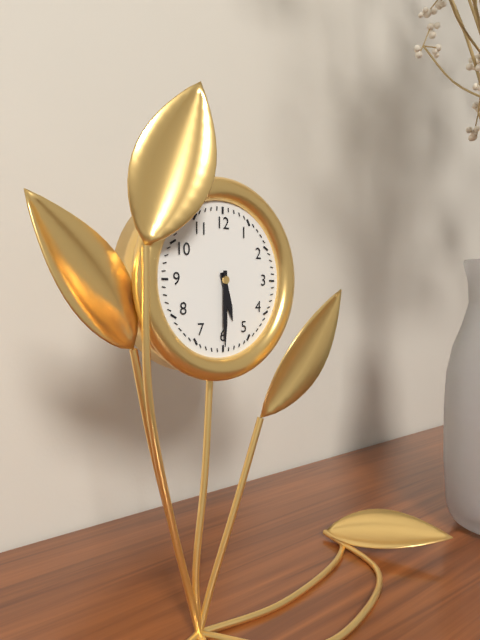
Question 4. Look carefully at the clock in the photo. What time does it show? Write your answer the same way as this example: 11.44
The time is 5.30
